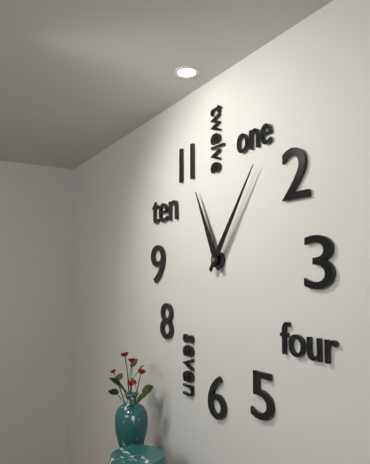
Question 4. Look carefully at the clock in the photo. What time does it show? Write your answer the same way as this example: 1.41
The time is 11.06
